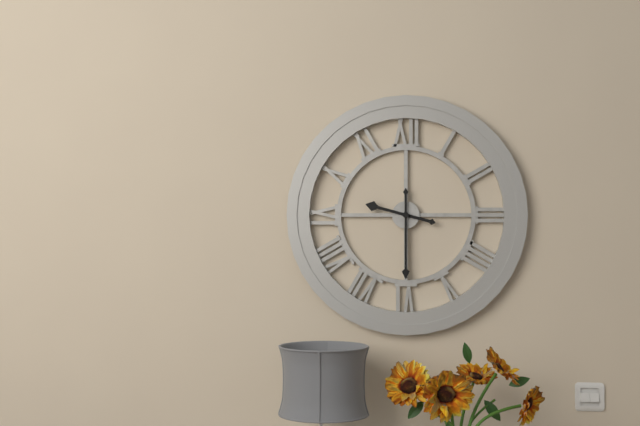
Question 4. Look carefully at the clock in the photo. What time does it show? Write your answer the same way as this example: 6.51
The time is 9.30
